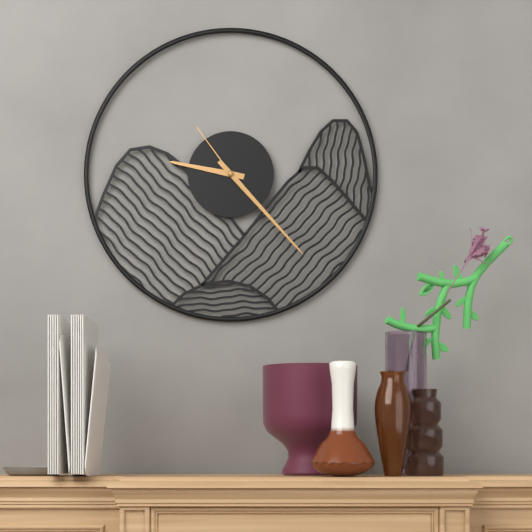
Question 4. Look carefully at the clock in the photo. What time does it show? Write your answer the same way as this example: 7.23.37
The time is 9.23.54
